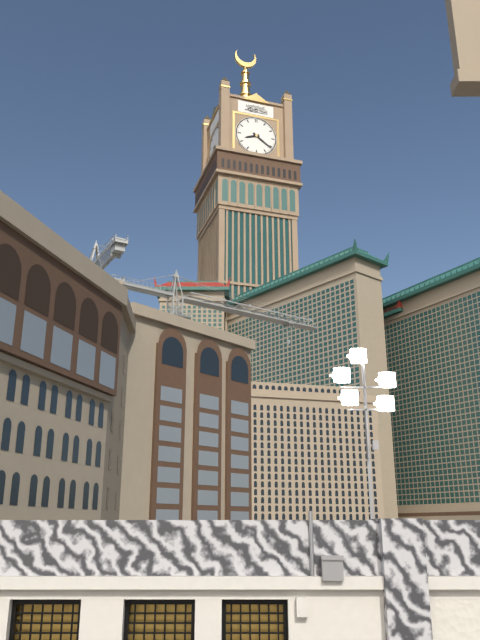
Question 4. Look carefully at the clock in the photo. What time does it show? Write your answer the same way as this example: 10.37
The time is 8.21
